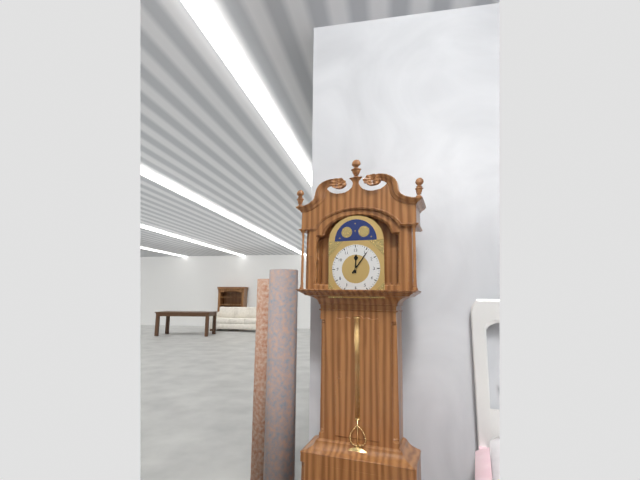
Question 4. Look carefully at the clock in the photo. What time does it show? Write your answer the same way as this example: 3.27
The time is 12.06
